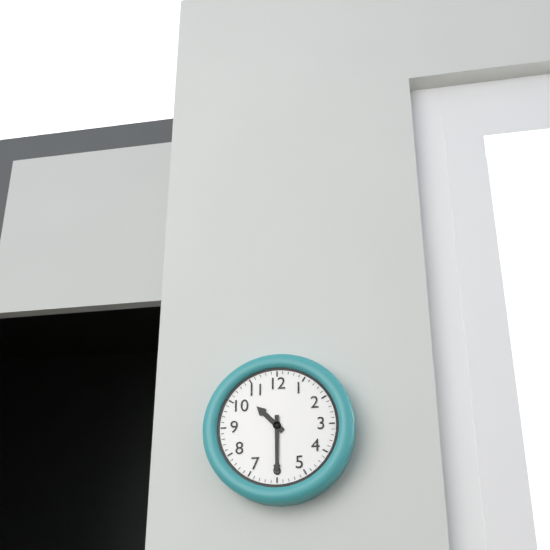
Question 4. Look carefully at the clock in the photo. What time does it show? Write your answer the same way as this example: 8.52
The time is 10.30
